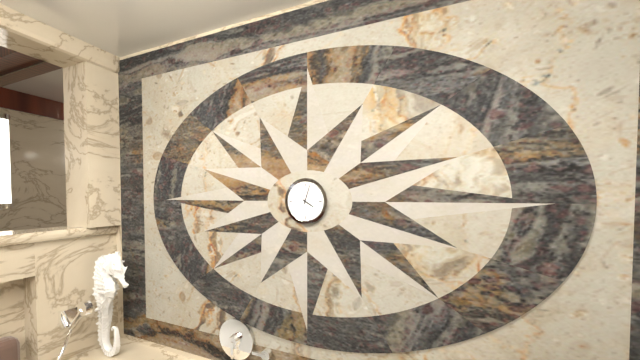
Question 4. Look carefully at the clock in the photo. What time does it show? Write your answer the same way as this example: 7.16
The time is 4.03
